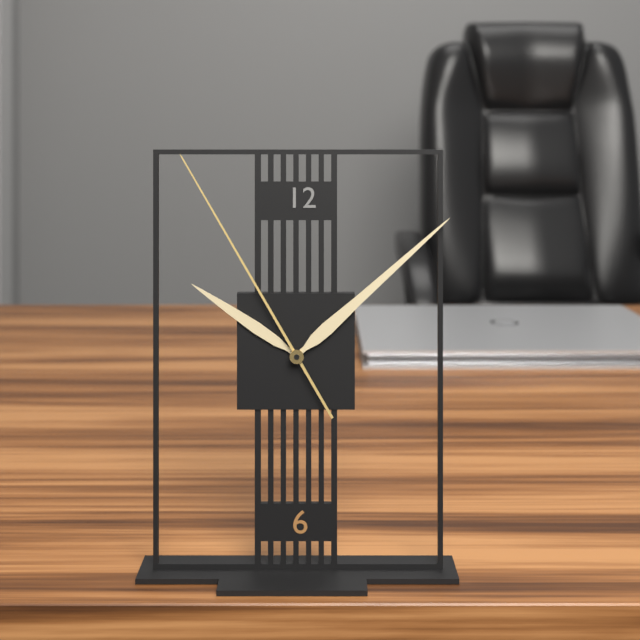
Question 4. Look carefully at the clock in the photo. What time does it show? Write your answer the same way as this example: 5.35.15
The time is 10.08.55
